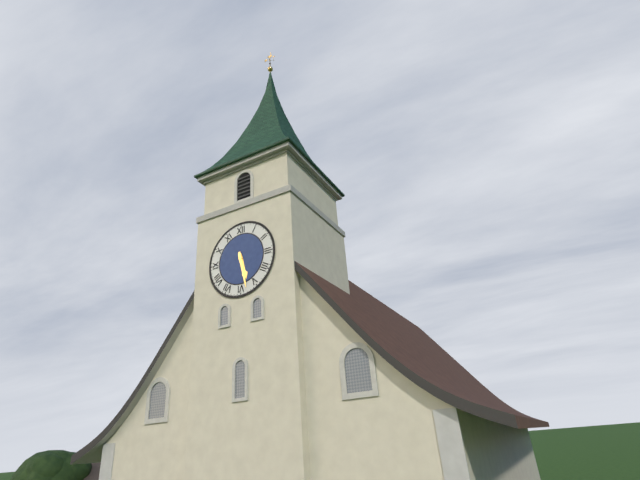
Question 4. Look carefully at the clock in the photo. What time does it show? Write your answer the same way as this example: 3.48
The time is 5.28
